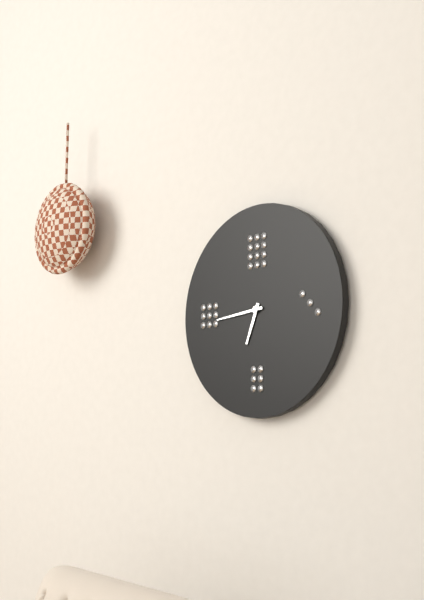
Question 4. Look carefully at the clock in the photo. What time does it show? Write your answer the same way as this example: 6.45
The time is 6.44
